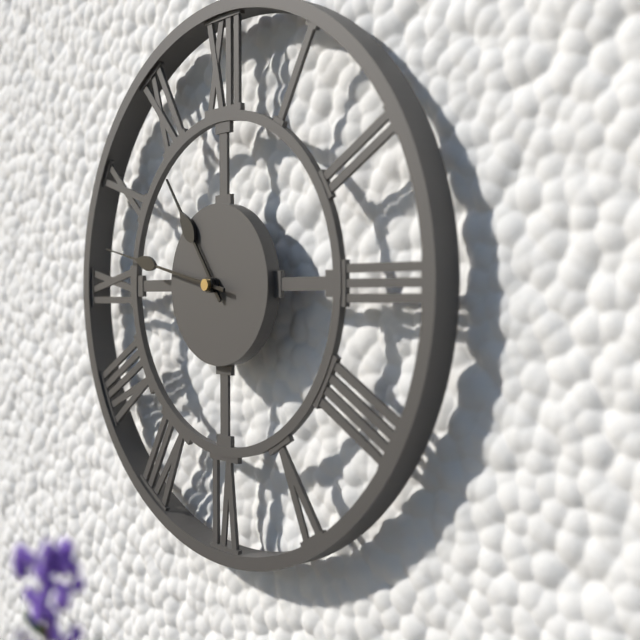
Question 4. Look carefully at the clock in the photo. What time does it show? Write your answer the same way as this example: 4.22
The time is 10.47
